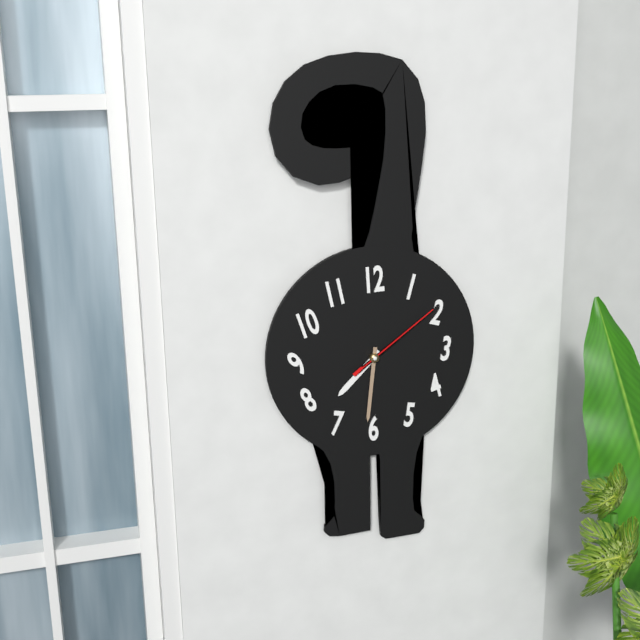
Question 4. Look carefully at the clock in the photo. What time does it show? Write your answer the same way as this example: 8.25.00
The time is 7.31.09
